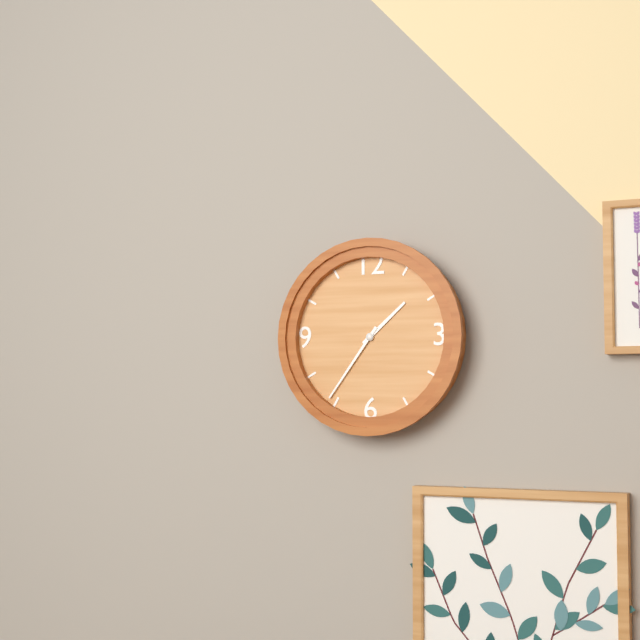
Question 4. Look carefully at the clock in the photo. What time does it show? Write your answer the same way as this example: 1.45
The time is 1.36
